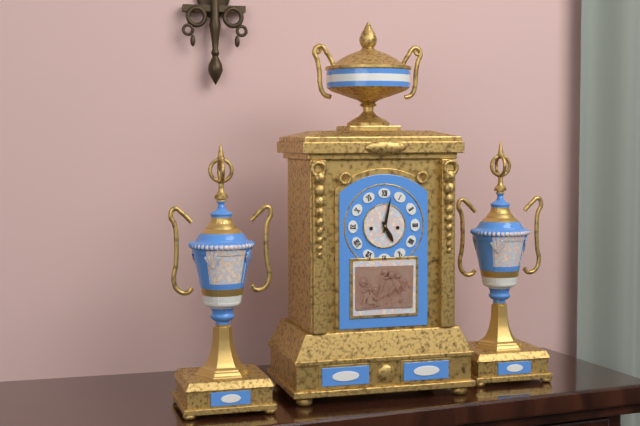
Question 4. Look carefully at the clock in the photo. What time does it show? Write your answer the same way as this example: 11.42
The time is 5.02
